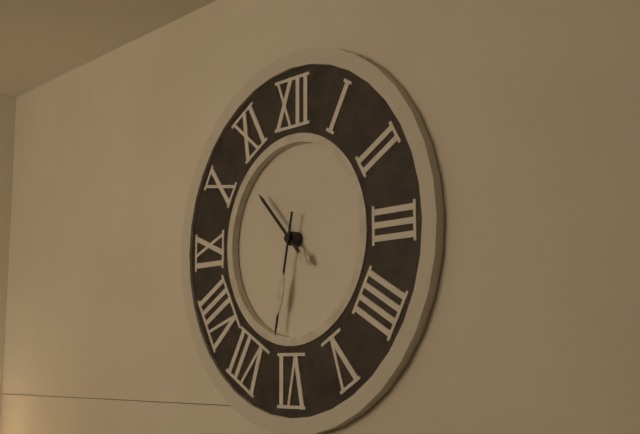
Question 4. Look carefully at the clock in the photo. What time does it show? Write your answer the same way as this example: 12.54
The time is 10.32
